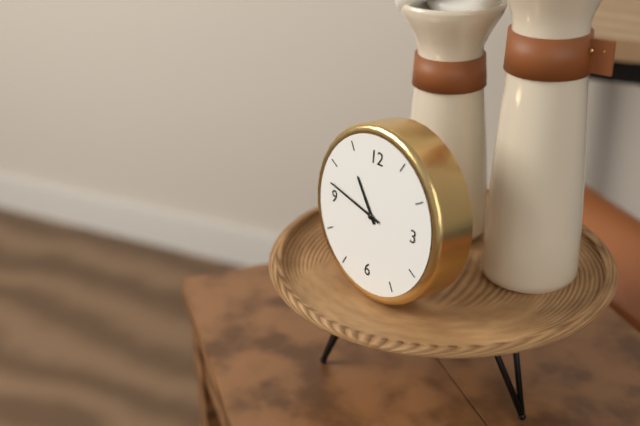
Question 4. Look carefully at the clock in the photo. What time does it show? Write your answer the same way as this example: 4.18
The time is 10.47
